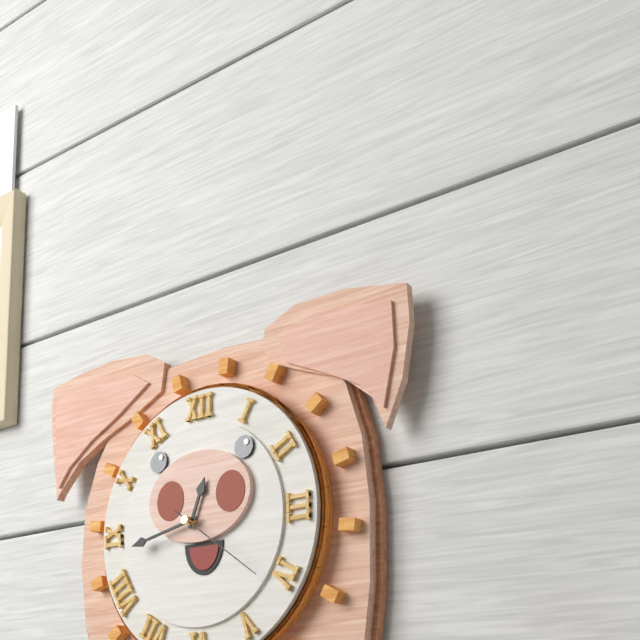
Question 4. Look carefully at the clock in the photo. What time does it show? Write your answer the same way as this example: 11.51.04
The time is 12.43.21
